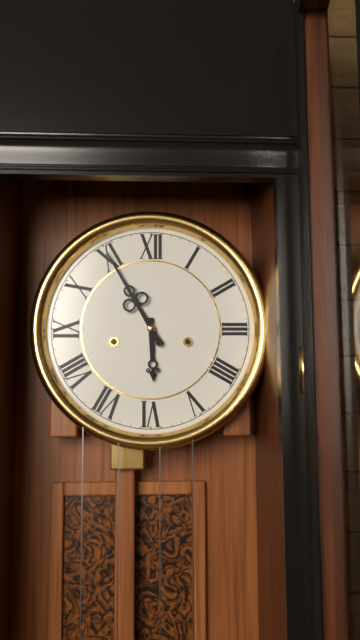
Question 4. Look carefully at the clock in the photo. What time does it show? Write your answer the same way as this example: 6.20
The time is 5.55
